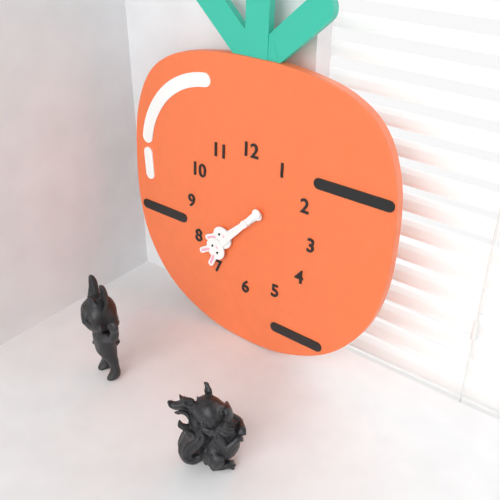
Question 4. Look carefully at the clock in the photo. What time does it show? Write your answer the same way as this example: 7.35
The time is 7.37
